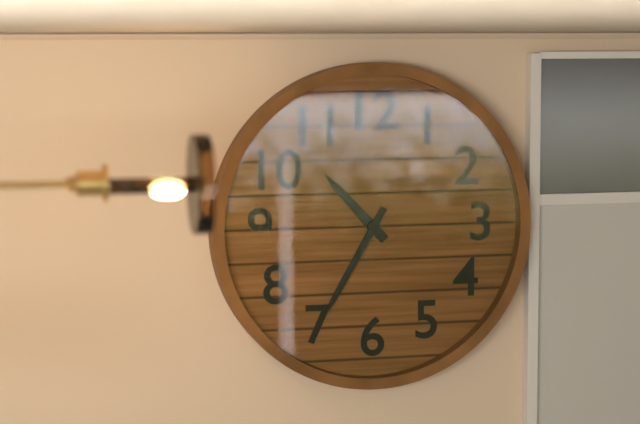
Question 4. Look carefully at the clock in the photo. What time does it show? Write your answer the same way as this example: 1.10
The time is 10.35
